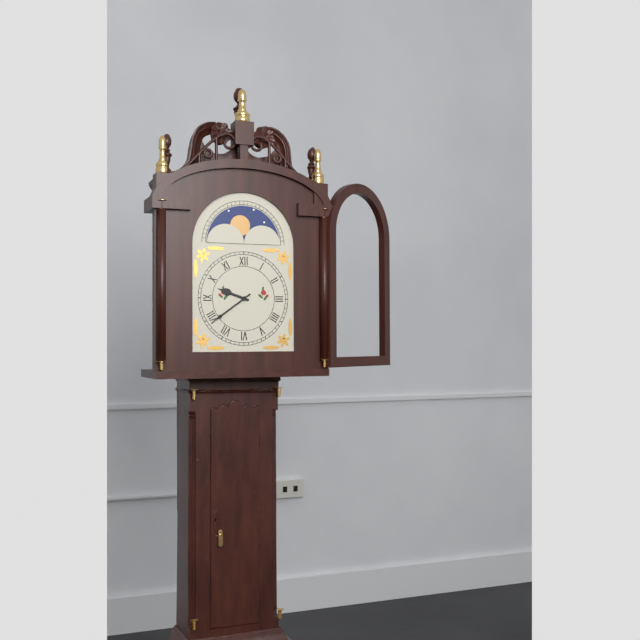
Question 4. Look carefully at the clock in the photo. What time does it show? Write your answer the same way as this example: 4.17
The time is 9.39
